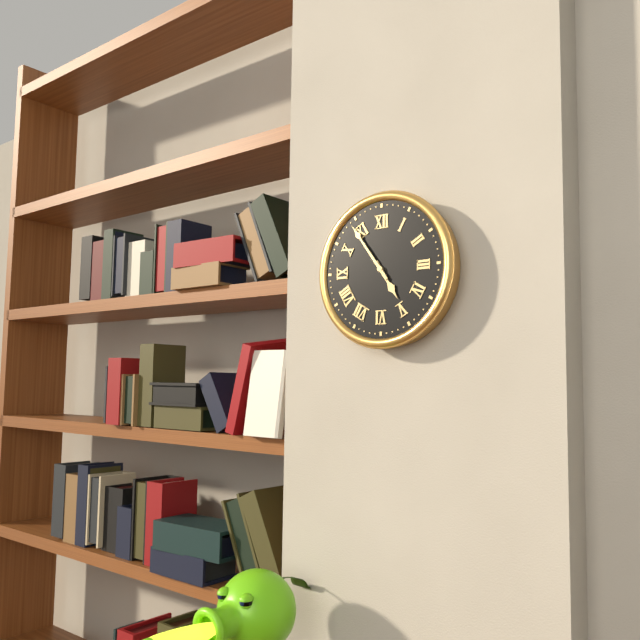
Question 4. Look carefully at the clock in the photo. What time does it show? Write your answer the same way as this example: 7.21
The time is 4.54
